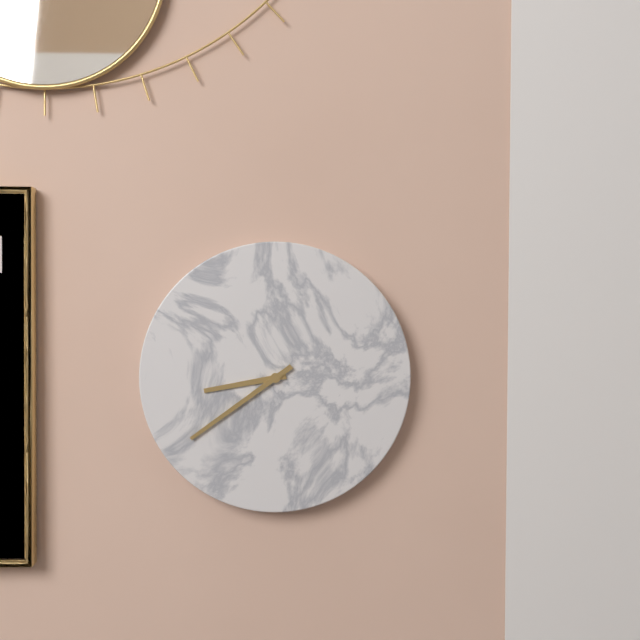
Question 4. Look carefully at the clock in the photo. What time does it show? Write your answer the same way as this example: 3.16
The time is 8.39
